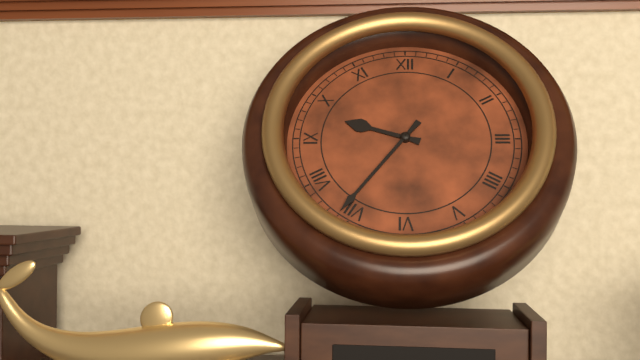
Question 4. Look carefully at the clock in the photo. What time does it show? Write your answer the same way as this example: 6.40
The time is 9.36
